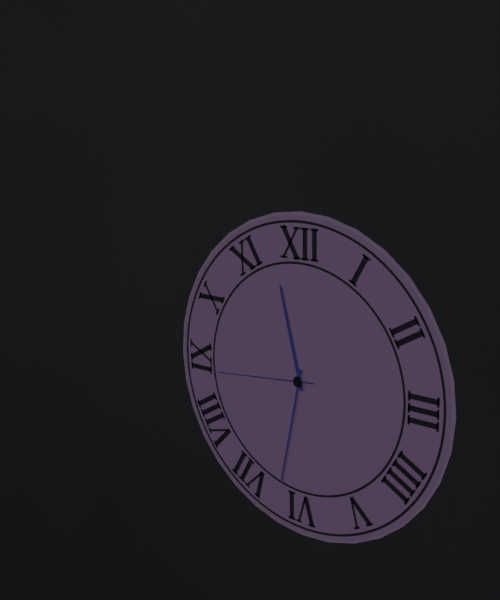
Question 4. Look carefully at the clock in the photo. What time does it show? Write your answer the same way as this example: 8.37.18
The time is 11.32.44
